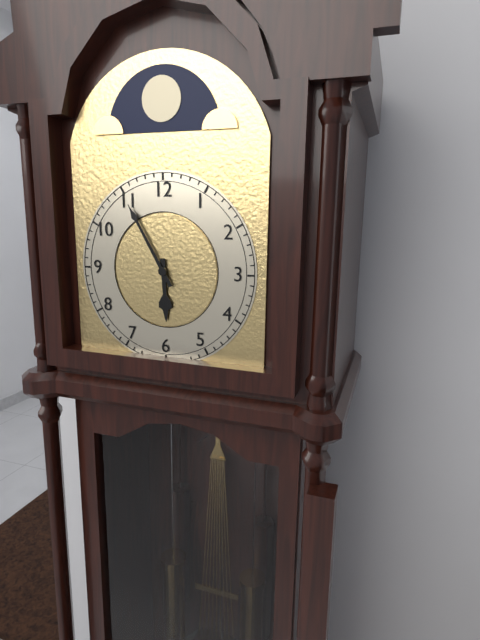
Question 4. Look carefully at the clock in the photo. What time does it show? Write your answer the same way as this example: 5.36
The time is 5.55
